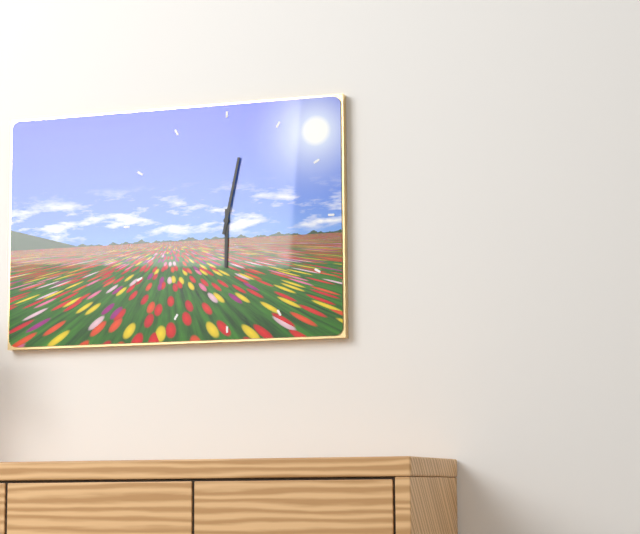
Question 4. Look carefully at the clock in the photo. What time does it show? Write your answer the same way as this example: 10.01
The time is 6.02
